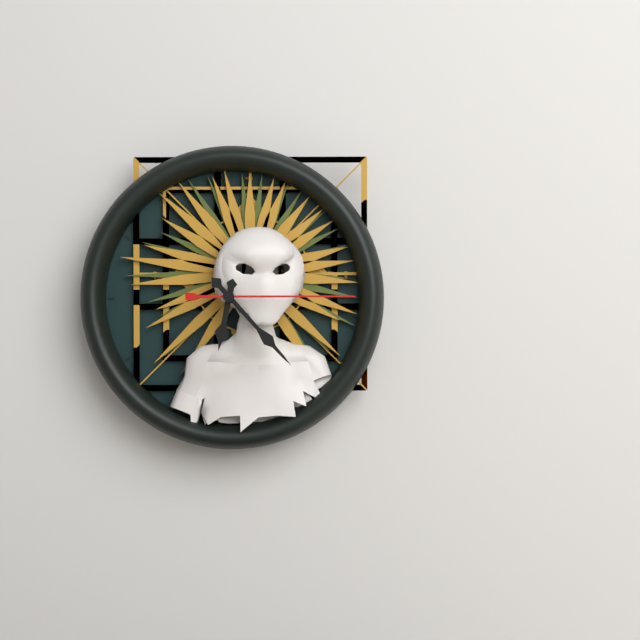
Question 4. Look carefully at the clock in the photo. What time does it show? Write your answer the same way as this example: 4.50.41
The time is 6.23.15
